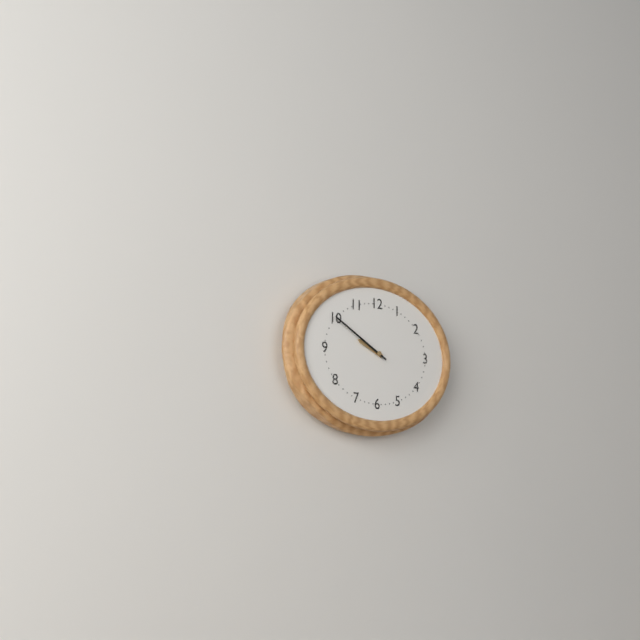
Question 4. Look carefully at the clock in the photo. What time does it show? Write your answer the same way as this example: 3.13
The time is 9.50
